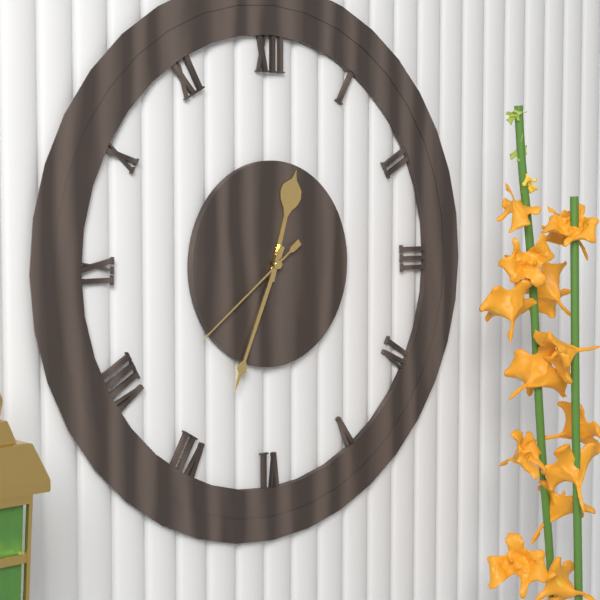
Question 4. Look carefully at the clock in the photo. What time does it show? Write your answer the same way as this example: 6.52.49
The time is 12.34.39
